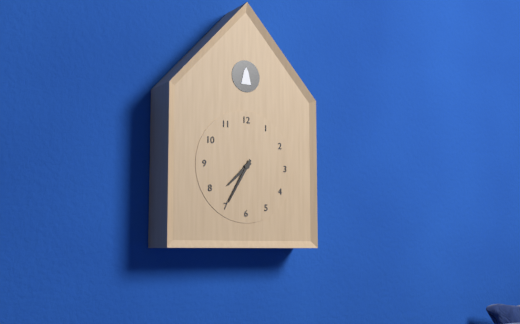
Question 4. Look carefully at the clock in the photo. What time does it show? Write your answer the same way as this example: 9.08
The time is 7.35
